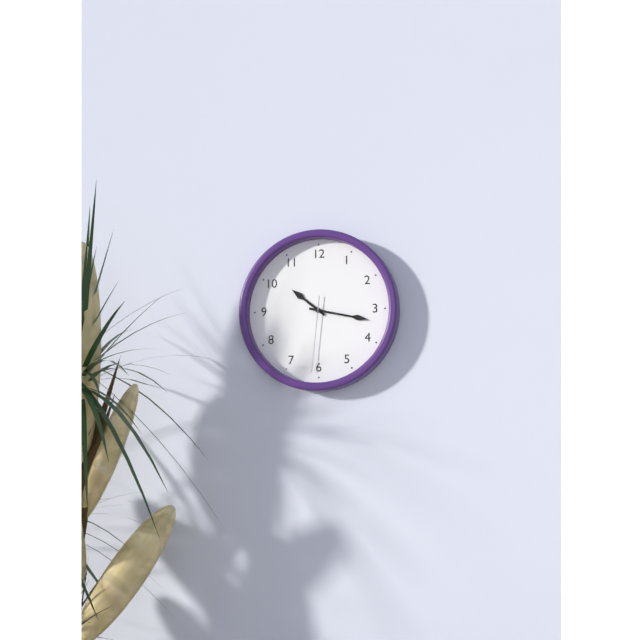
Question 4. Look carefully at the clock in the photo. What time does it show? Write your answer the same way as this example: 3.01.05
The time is 10.17.31
